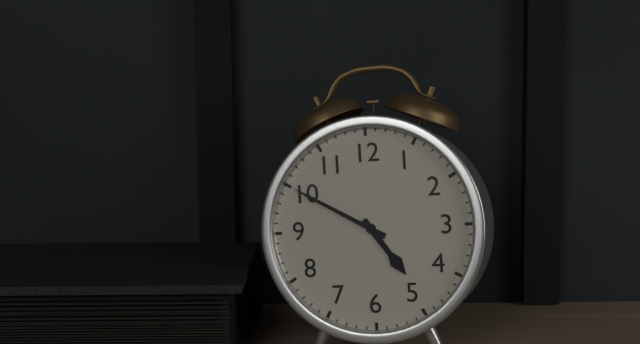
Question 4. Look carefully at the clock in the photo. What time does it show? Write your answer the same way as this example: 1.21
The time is 4.50
